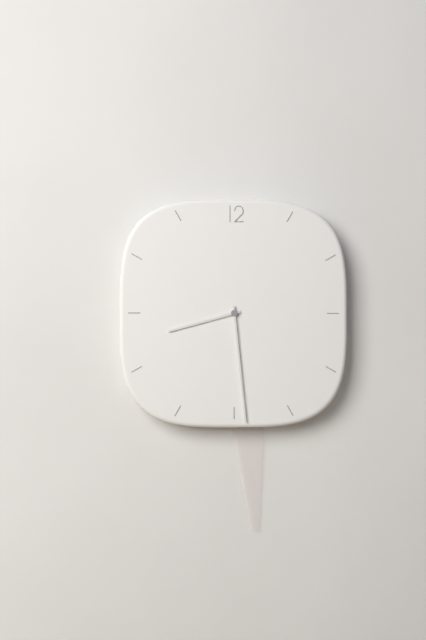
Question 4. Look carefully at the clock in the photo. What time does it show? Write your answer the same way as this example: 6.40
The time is 8.29
